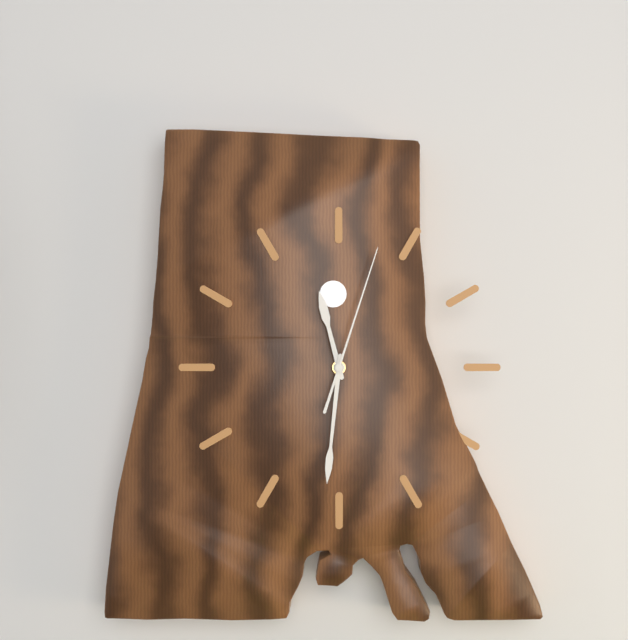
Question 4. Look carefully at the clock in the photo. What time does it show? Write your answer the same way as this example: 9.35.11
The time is 11.31.03
